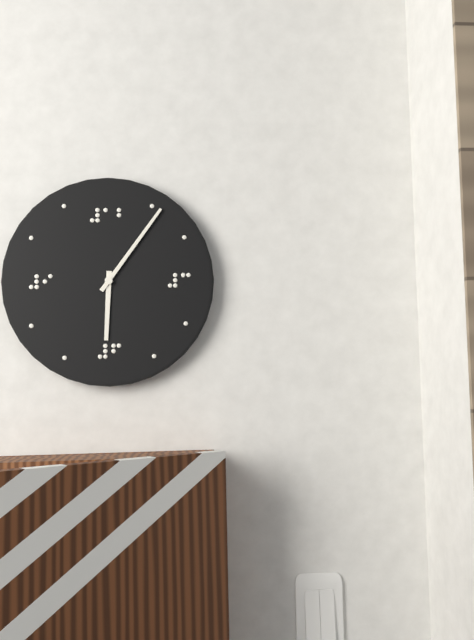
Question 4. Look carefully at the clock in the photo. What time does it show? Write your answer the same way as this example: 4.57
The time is 6.06
